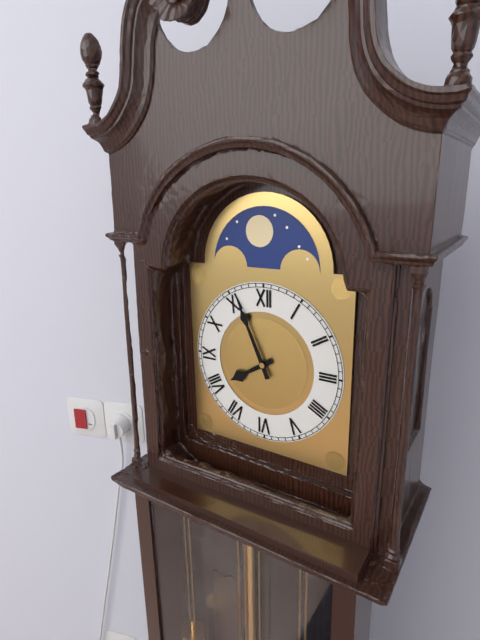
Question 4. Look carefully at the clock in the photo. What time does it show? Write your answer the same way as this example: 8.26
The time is 7.56
